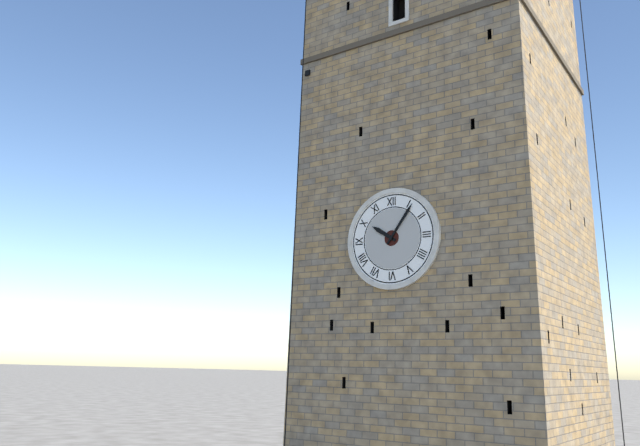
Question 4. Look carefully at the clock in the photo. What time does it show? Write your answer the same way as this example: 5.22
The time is 10.06
